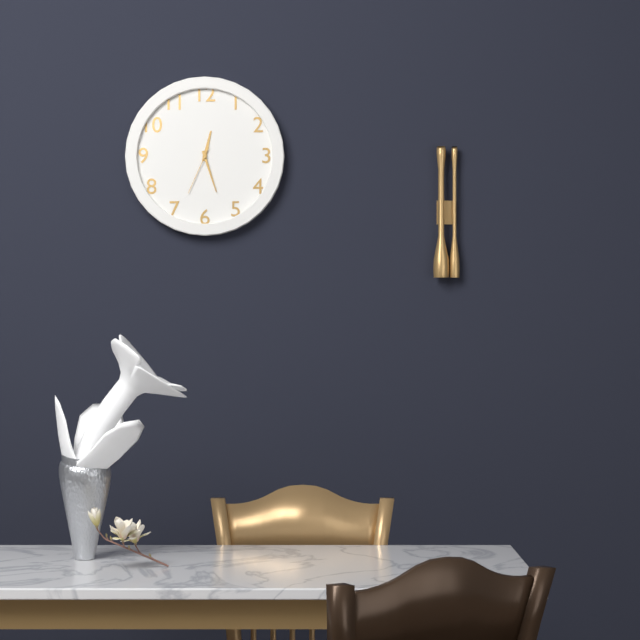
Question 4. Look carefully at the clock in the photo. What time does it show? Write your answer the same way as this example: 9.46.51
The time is 12.27.34
